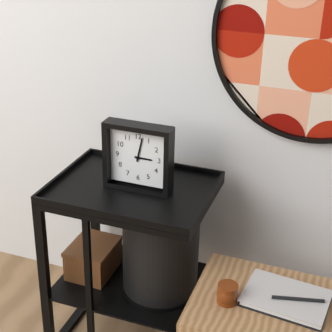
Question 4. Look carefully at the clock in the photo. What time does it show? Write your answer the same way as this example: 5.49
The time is 3.02
